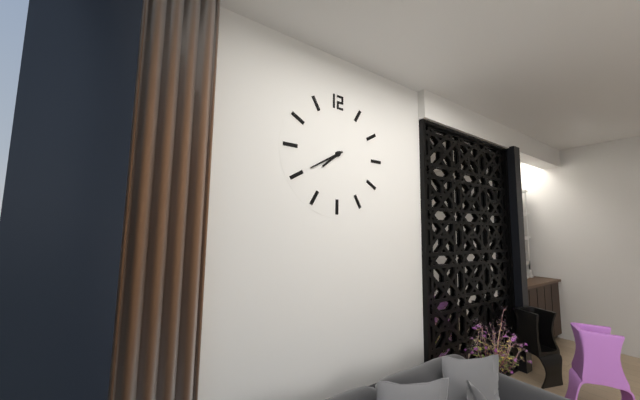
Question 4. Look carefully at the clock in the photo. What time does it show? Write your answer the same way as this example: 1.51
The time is 7.40
